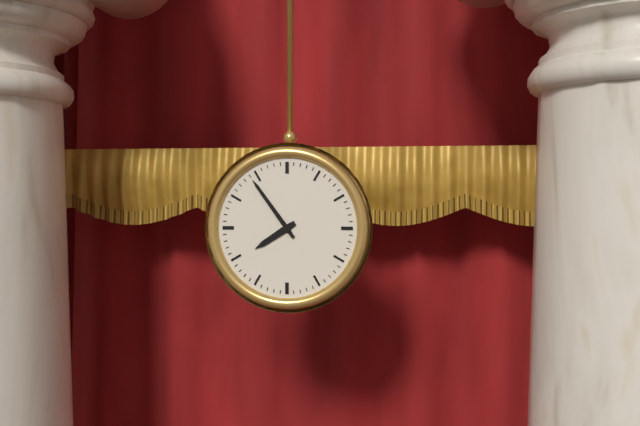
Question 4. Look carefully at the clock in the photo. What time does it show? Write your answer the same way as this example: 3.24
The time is 7.54
